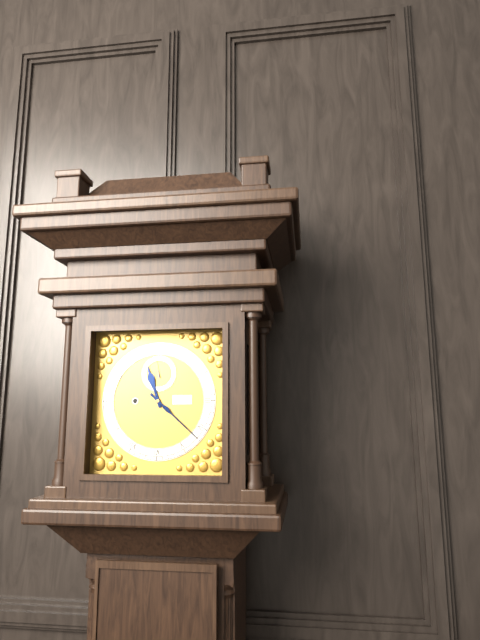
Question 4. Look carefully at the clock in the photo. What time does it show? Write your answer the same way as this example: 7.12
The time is 11.22
